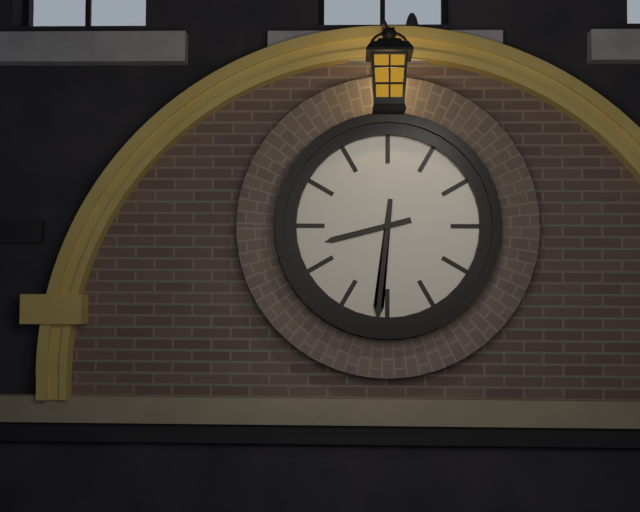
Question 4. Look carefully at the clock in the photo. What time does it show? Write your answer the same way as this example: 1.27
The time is 8.31
